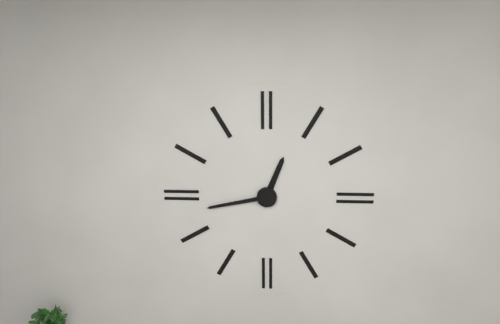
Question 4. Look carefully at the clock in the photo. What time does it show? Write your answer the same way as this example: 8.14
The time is 12.43
